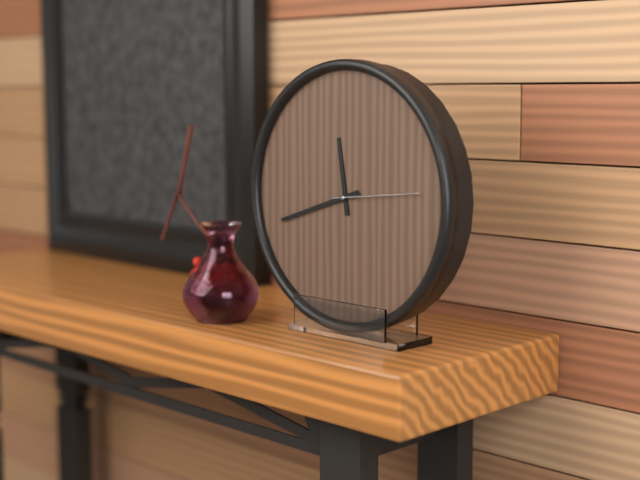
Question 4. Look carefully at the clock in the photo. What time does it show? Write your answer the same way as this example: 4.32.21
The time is 11.42.14
